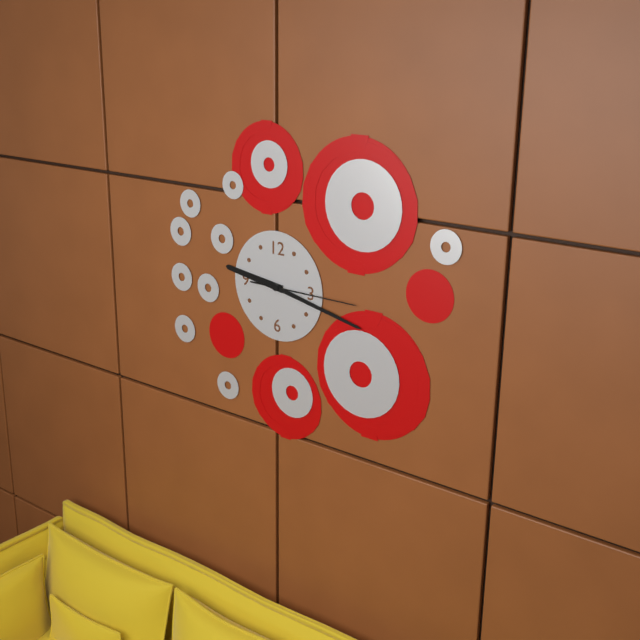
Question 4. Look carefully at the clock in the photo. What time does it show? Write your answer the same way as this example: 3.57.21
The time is 9.17.15
